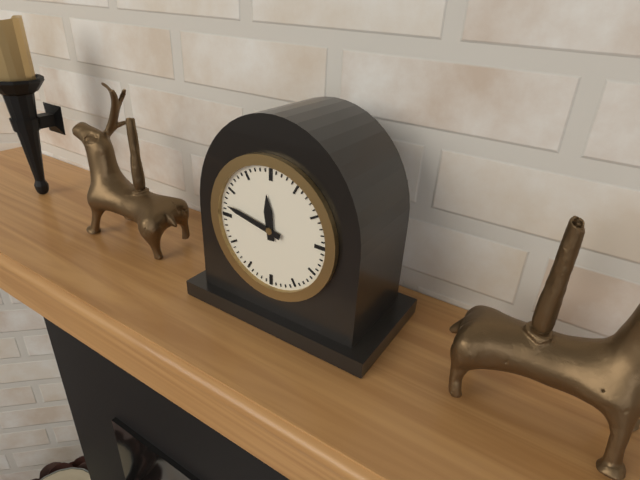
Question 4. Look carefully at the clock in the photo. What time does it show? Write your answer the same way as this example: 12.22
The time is 11.47
